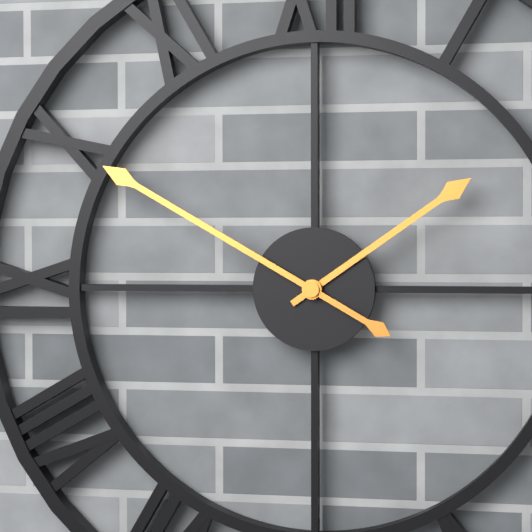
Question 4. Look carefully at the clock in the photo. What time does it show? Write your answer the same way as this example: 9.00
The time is 1.50
